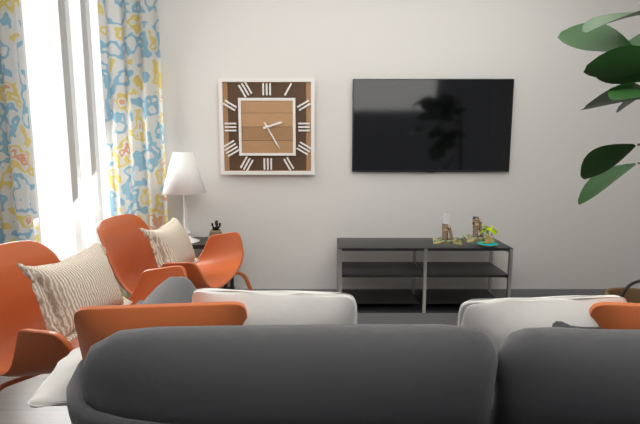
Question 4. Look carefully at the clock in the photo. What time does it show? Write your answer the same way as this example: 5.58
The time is 2.25
